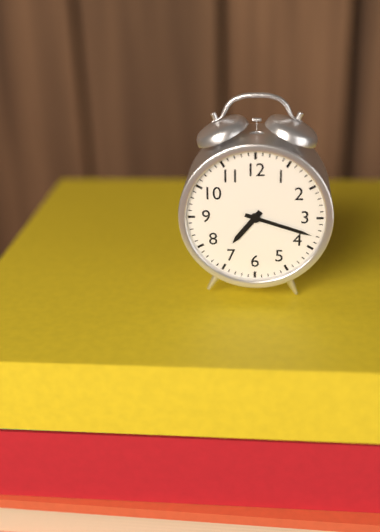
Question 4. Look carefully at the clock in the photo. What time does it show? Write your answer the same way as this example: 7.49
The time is 7.18
